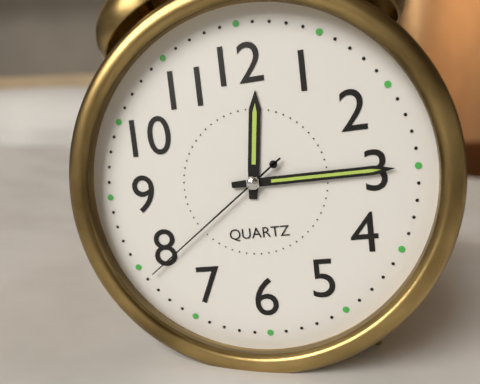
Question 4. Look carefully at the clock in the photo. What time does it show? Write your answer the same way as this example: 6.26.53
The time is 12.15.39
